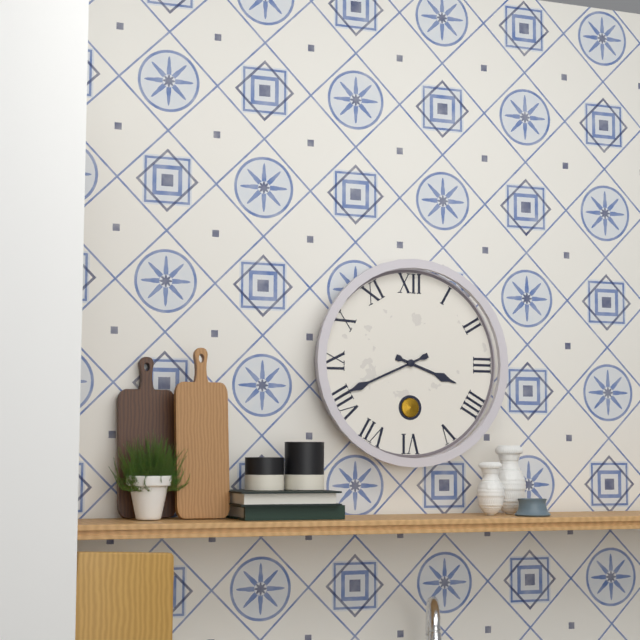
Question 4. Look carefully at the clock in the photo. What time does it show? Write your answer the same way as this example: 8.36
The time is 3.41
